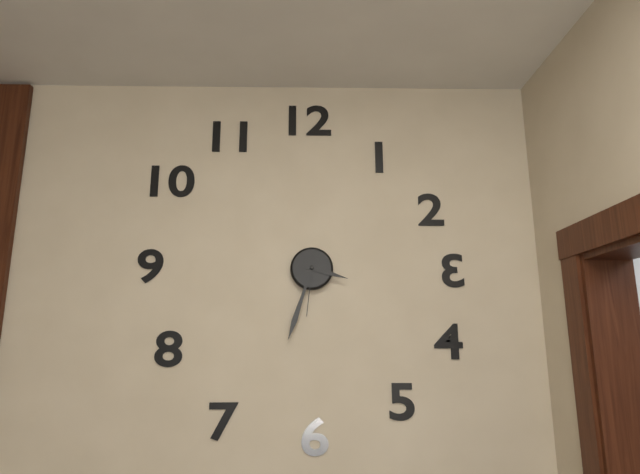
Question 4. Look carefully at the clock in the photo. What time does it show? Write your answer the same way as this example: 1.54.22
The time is 3.33.31
